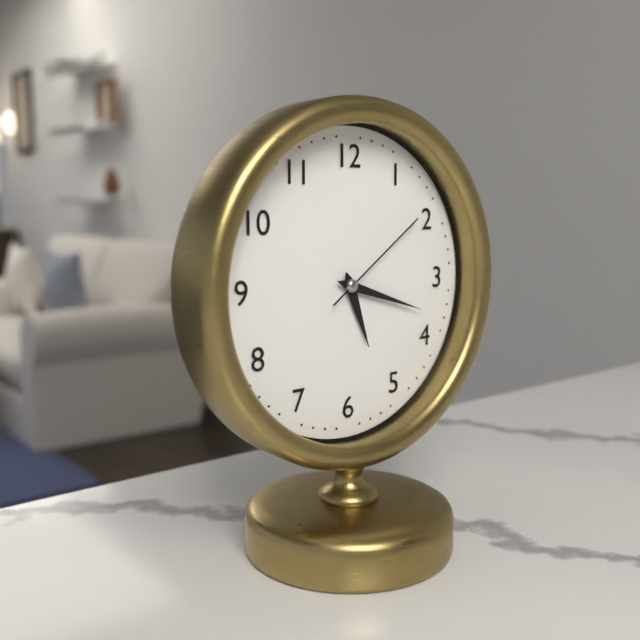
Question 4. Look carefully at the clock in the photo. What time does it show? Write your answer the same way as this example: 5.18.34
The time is 5.18.09
